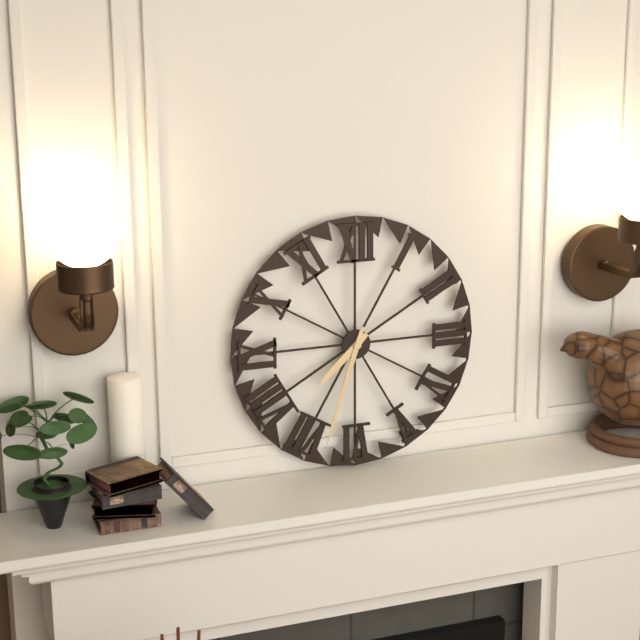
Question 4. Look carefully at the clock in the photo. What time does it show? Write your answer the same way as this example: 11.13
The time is 7.33
